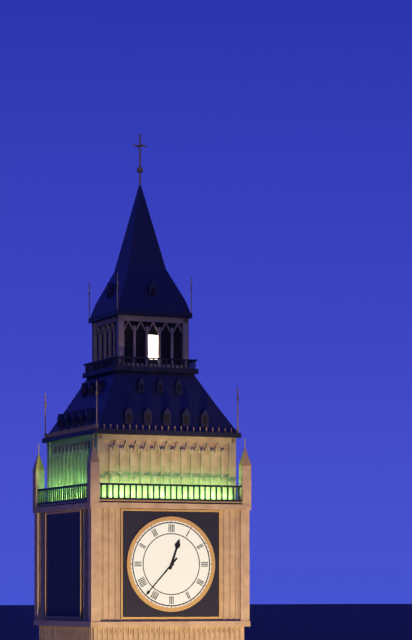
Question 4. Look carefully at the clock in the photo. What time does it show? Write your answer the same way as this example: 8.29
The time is 12.37
